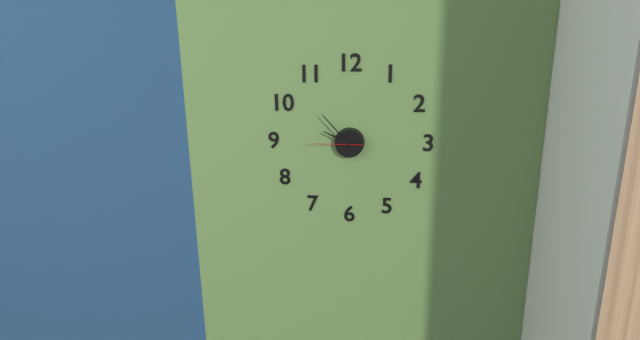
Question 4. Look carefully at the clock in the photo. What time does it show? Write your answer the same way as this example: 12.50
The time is 9.53
